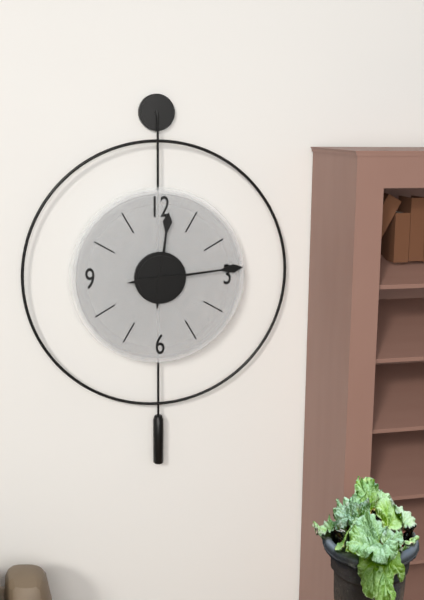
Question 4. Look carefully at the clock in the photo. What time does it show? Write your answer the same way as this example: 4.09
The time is 12.14
